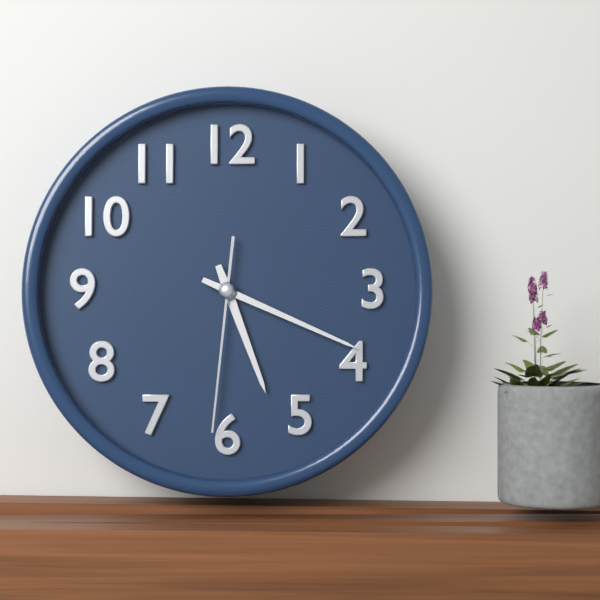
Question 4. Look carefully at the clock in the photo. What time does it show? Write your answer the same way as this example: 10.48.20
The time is 5.19.31
